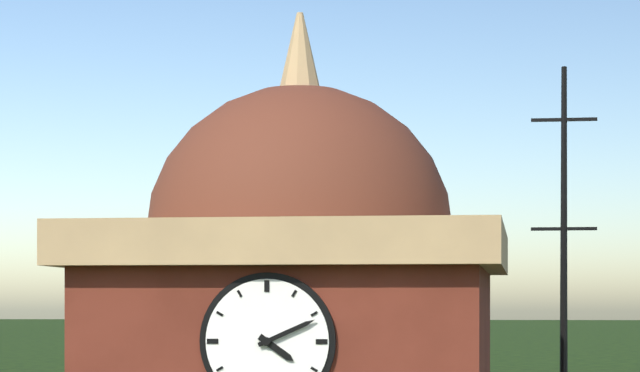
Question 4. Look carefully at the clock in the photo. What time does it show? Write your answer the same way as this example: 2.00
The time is 4.11
